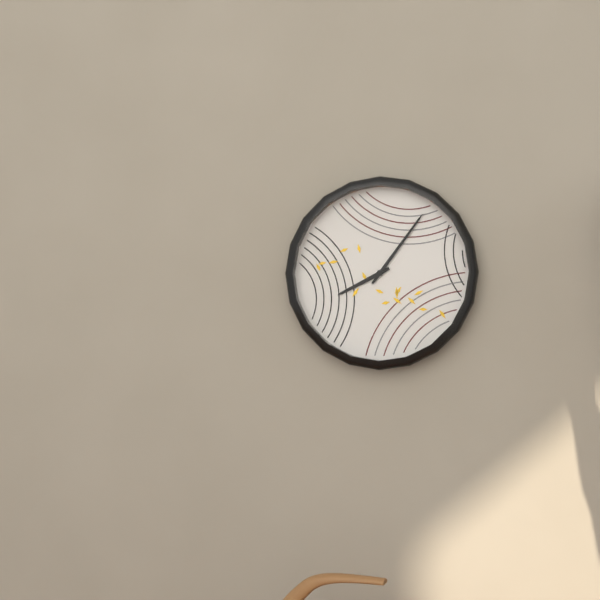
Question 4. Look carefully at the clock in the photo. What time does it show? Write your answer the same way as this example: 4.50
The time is 8.06
